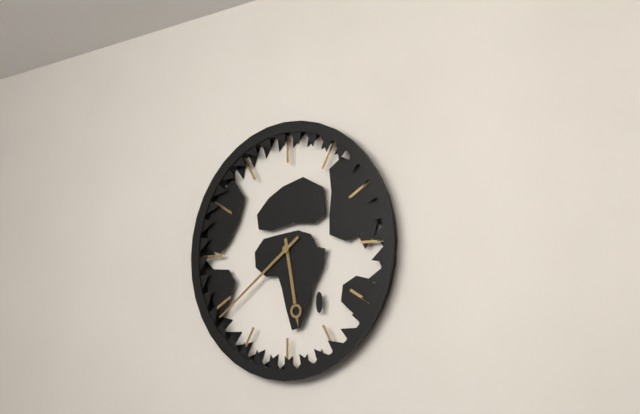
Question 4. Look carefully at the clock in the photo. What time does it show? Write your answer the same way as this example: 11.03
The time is 5.39
